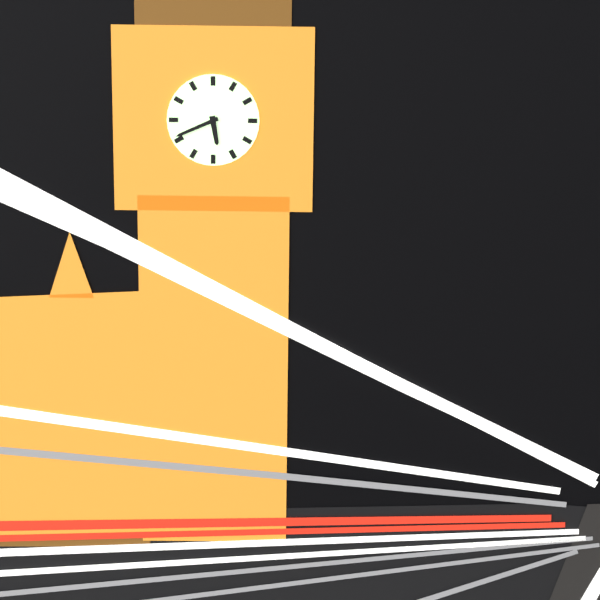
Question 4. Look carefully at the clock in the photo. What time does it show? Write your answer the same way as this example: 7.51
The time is 5.41
